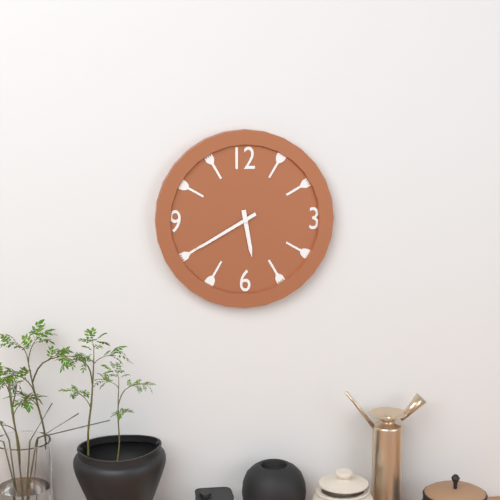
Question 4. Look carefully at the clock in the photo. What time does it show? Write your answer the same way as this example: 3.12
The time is 5.40
